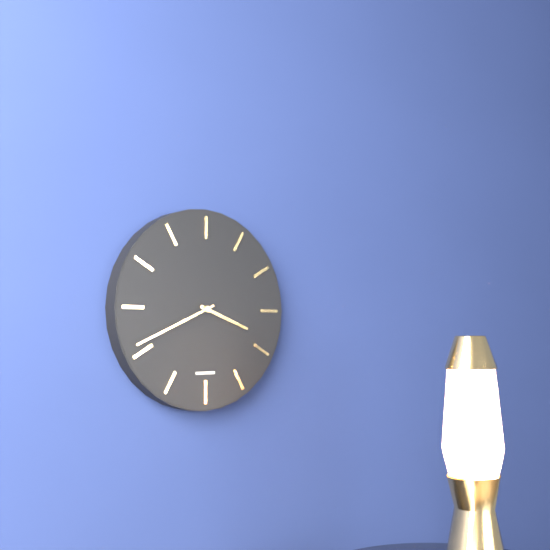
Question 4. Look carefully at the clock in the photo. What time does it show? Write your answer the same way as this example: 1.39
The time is 3.41
